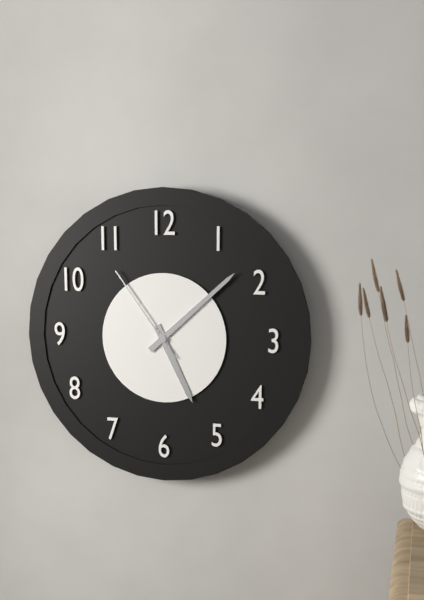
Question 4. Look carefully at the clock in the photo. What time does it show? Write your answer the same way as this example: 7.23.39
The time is 5.08.54
